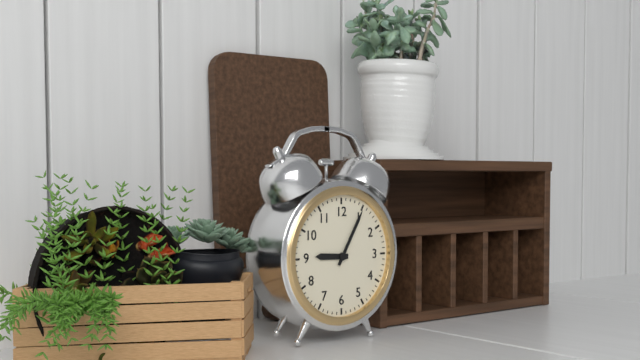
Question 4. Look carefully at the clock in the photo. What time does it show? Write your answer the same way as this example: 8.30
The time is 9.05
